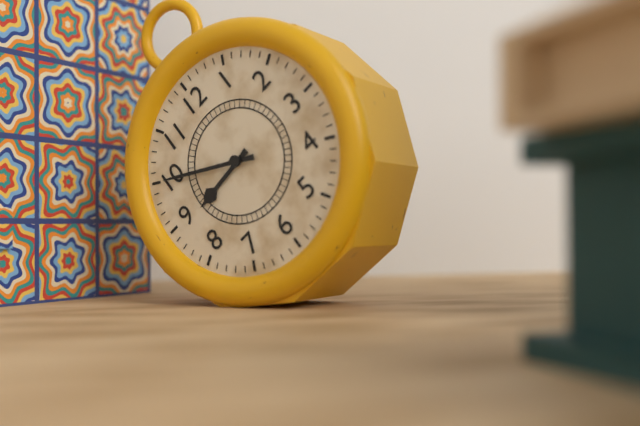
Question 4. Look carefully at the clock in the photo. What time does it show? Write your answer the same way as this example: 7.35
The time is 8.50
